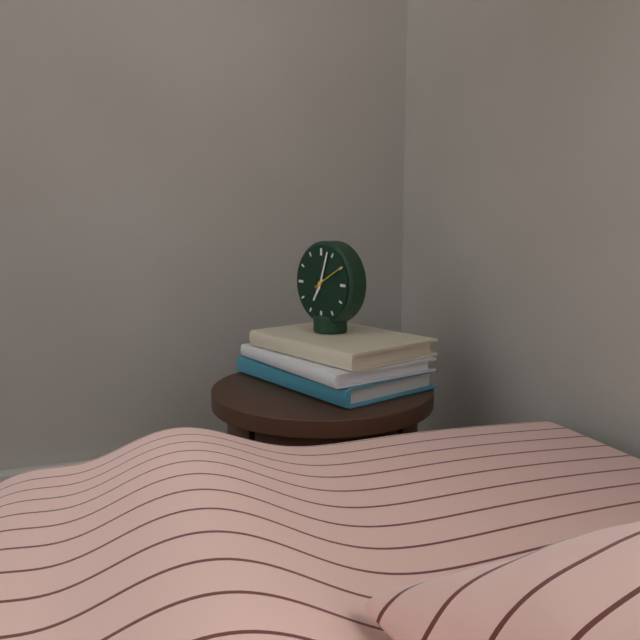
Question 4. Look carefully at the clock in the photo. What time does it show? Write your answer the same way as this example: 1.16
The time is 7.03
